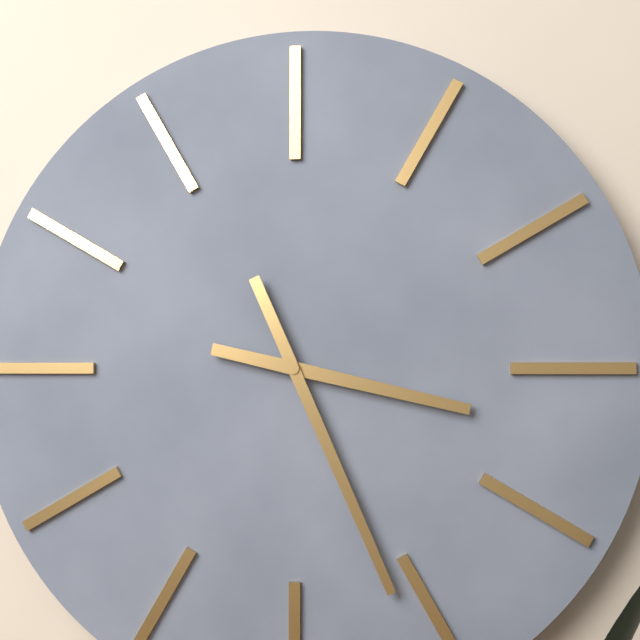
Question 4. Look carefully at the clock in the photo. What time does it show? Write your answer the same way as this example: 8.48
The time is 3.26
